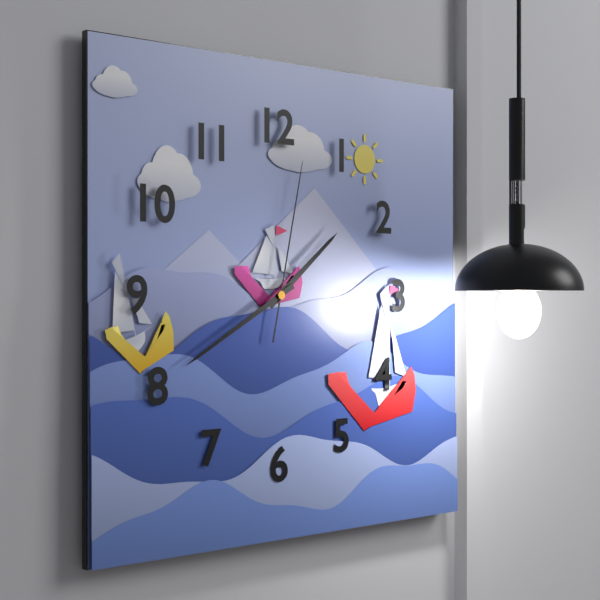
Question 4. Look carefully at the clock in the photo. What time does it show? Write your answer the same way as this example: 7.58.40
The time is 1.40.02
